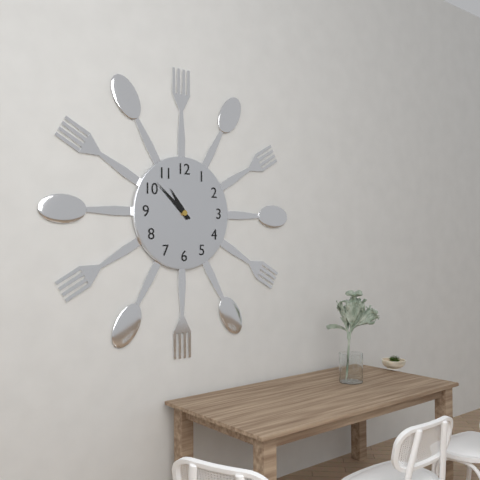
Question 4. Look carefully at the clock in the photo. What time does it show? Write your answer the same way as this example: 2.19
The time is 10.52
